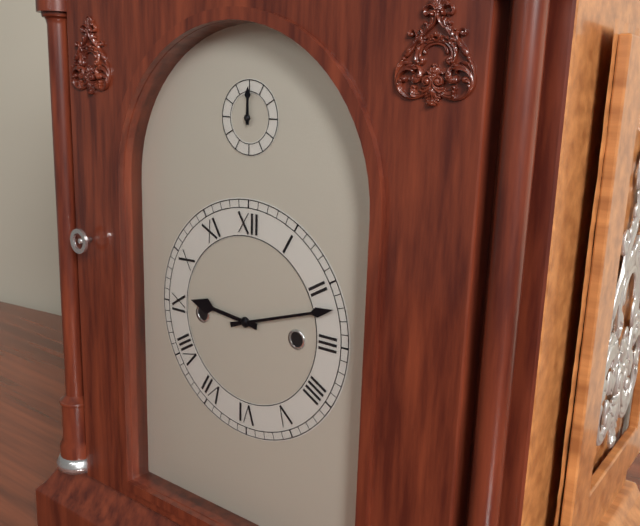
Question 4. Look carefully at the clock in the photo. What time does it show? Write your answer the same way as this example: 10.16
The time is 9.12
